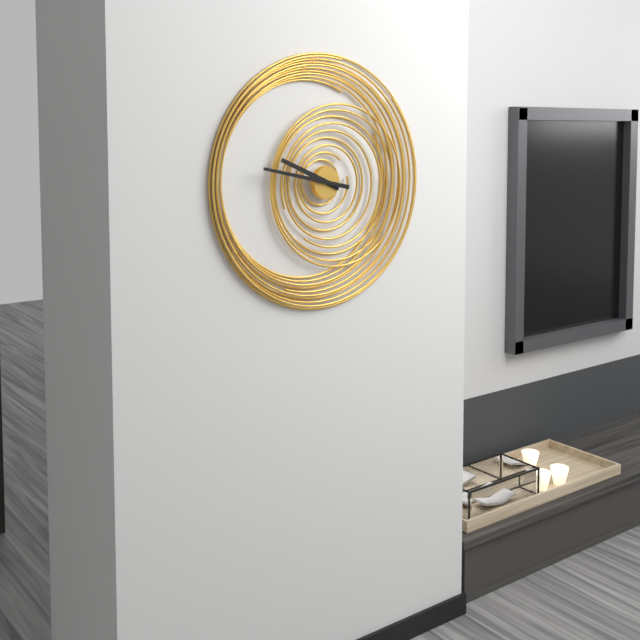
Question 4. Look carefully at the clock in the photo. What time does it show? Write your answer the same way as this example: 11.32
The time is 9.47
